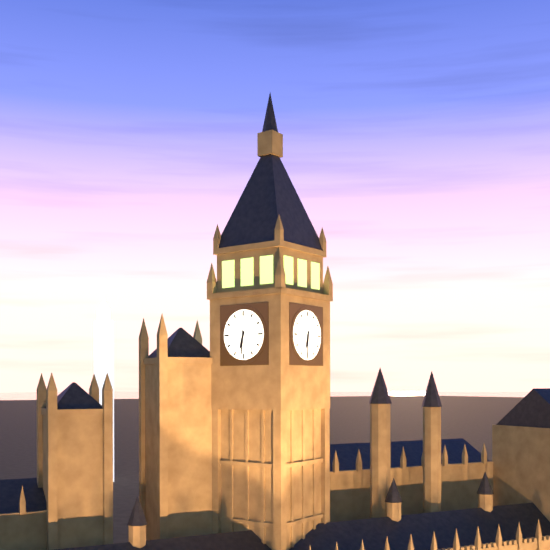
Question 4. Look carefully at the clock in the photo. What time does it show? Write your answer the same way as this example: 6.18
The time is 6.31
